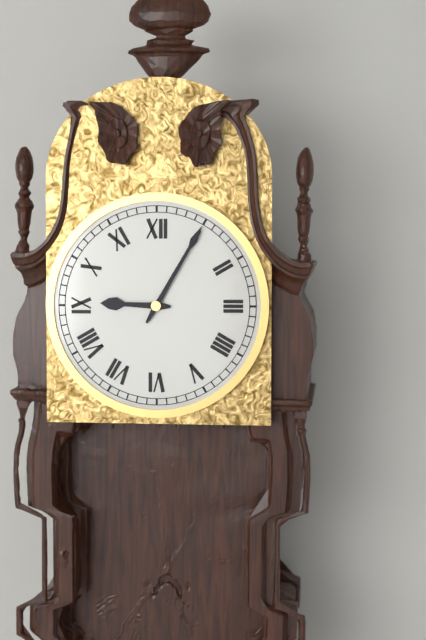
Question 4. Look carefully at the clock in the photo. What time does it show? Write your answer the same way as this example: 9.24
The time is 9.05
